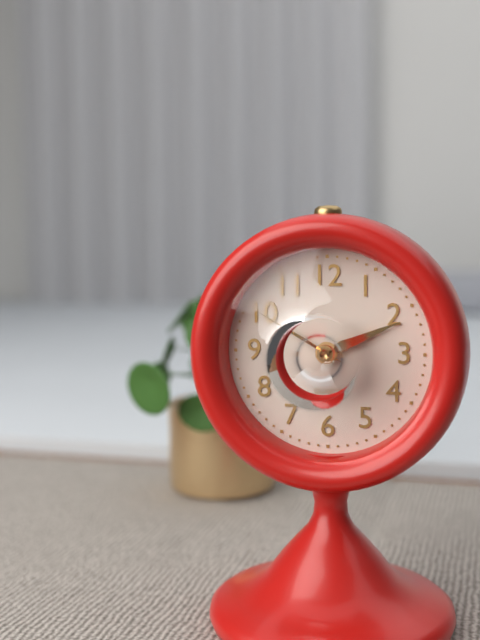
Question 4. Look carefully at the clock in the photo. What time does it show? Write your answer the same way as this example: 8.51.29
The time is 2.11.50
